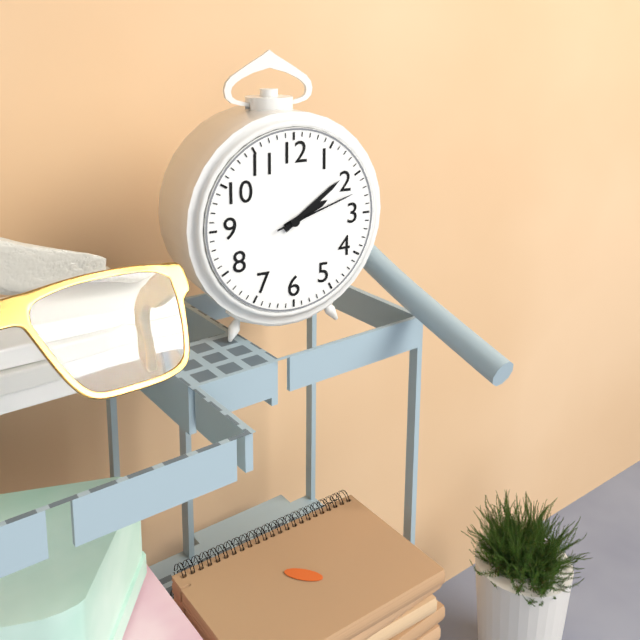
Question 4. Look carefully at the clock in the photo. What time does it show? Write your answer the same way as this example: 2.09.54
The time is 2.09.12
